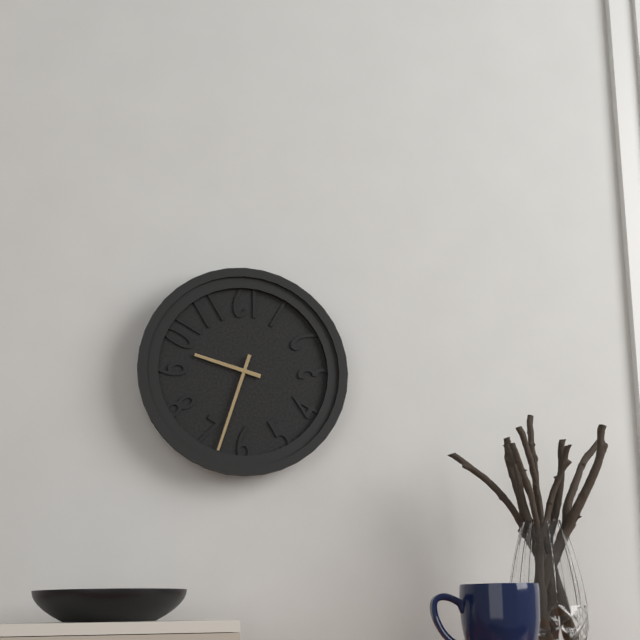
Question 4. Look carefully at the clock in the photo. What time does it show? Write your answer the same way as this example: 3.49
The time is 9.33
